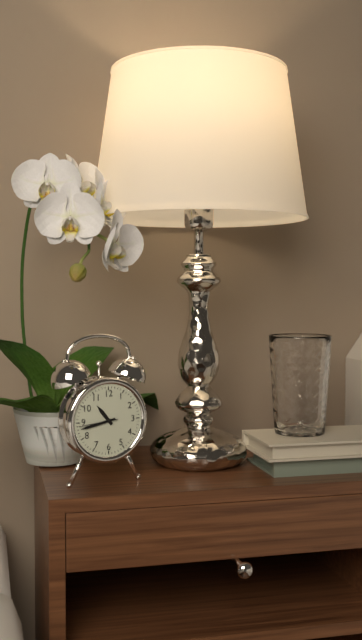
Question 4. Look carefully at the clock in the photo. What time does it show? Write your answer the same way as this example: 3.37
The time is 10.43
